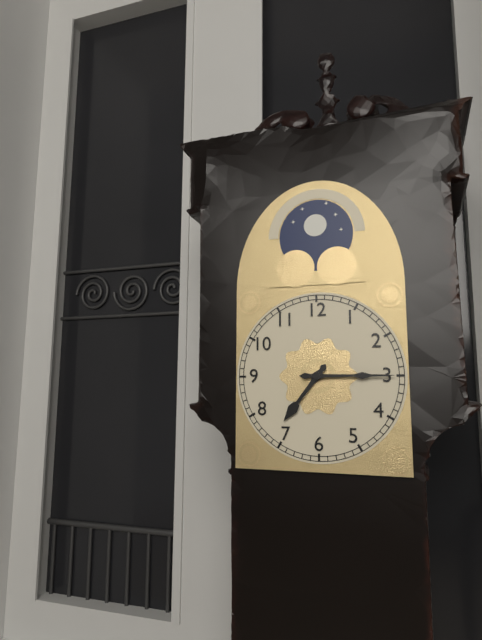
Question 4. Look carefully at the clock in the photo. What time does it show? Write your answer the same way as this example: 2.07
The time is 7.15
